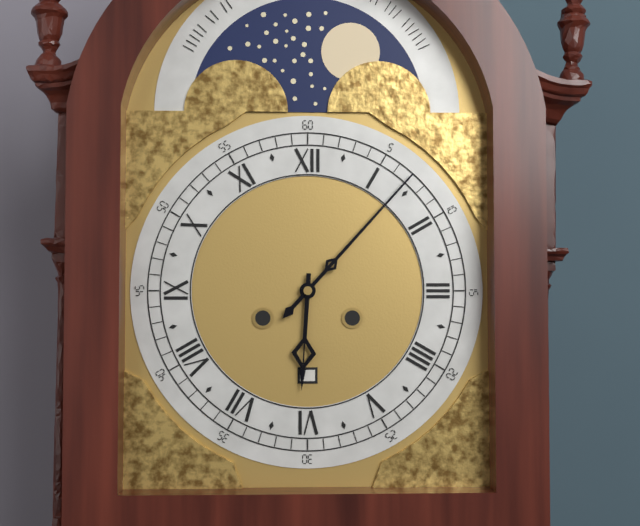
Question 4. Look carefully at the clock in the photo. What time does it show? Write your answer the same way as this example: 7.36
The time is 6.07
